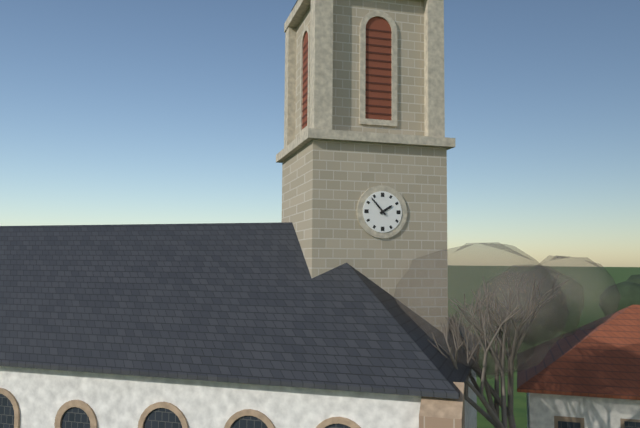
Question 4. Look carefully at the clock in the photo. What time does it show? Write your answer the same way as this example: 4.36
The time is 1.53
